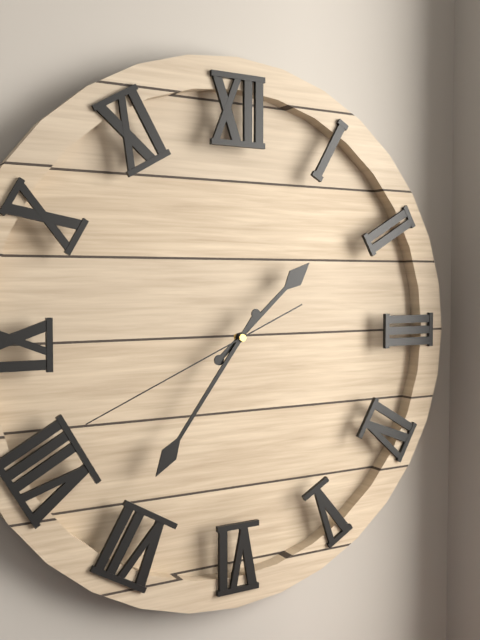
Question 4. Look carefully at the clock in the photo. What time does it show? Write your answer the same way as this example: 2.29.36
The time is 1.36.41
